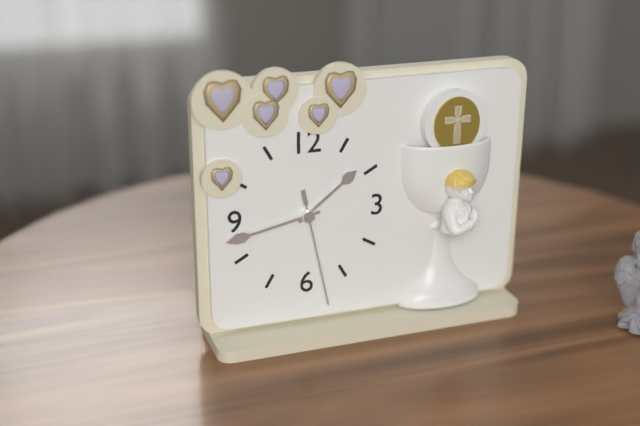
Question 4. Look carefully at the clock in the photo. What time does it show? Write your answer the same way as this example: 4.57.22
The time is 1.43.28
